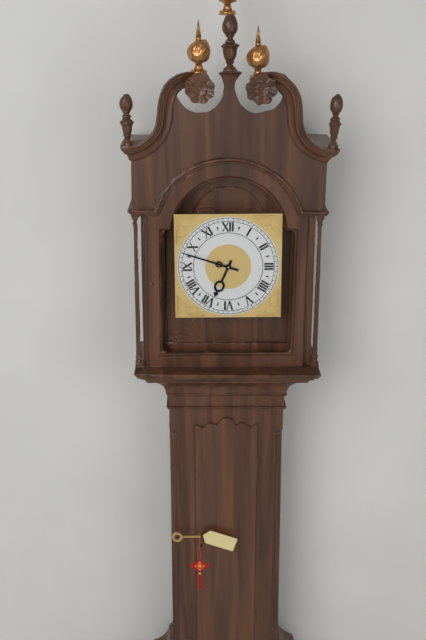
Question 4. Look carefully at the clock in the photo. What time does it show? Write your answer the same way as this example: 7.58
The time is 6.48
